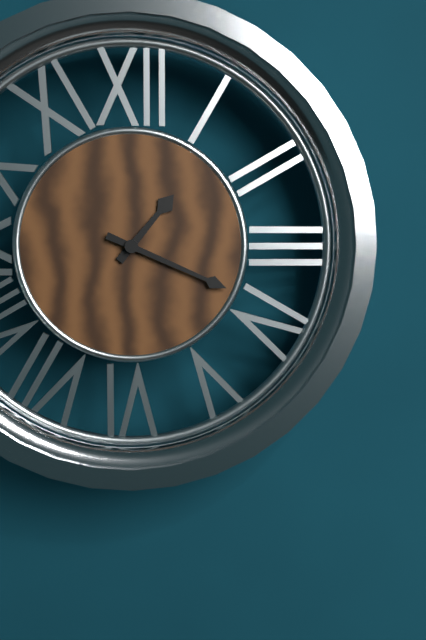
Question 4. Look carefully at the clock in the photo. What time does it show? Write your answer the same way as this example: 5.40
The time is 1.19
